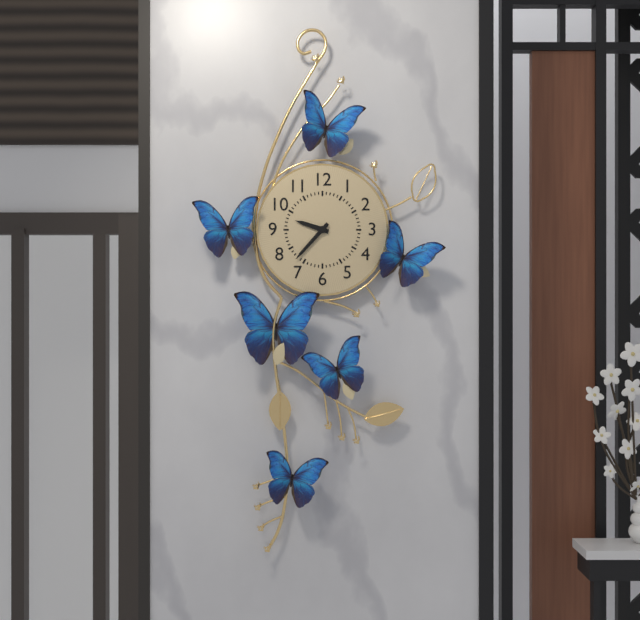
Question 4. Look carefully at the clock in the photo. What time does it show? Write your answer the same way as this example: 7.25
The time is 9.37
